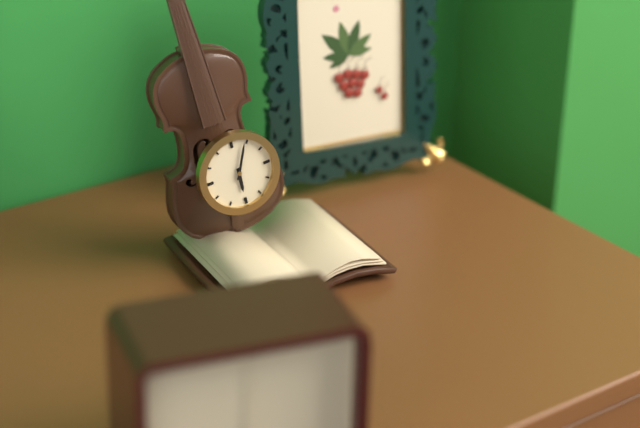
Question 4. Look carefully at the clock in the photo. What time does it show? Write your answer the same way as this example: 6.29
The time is 6.04
